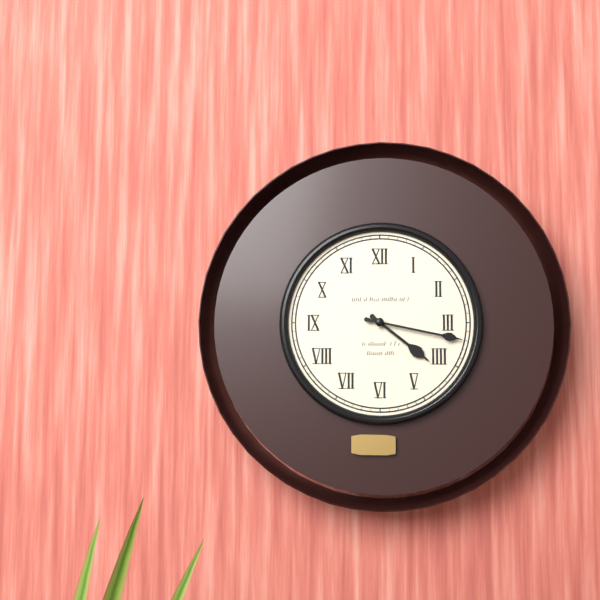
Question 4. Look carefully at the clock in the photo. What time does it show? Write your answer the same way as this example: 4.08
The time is 4.17
